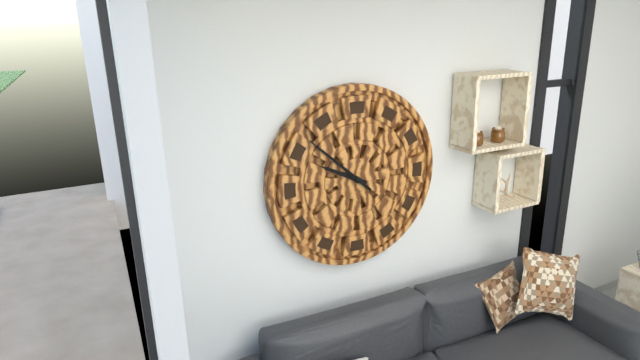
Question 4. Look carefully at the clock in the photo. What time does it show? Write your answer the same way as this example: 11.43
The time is 9.52
